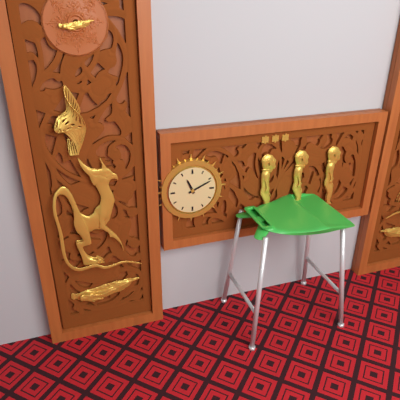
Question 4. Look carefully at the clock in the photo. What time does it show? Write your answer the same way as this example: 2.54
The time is 11.11
